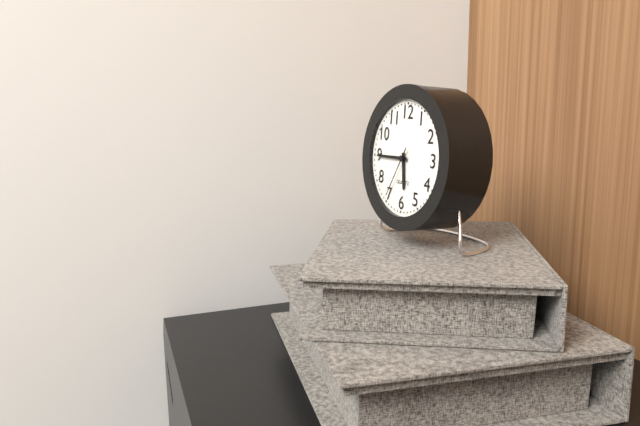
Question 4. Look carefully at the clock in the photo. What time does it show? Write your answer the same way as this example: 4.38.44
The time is 5.45.35
